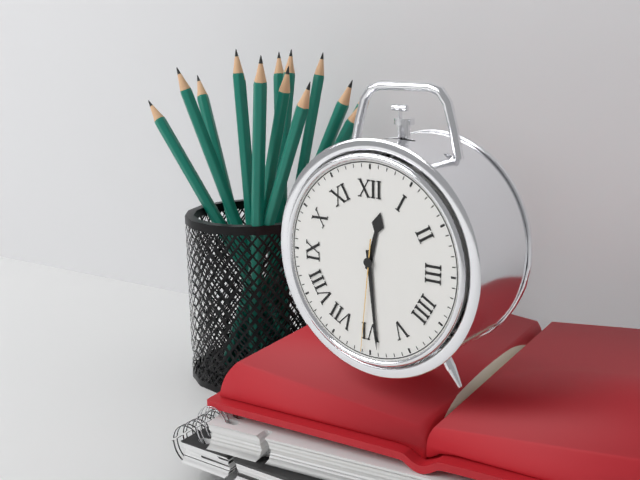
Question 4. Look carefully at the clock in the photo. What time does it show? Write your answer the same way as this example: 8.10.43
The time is 12.29.31
